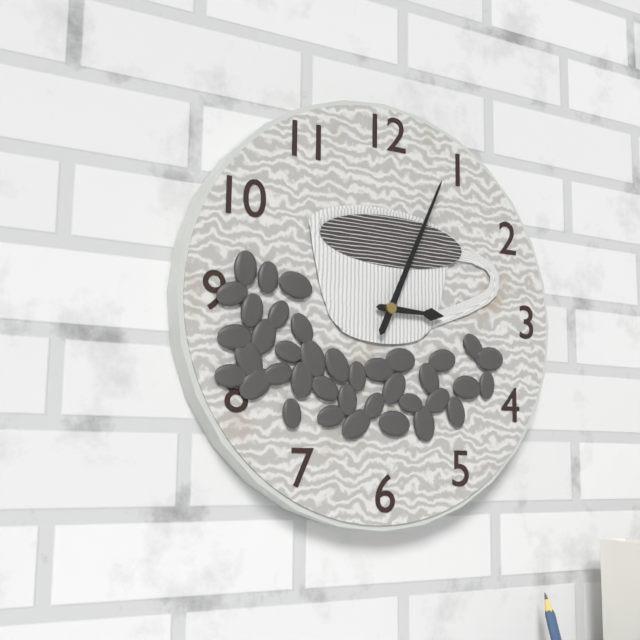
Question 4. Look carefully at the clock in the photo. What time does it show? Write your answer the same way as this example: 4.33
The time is 3.04
